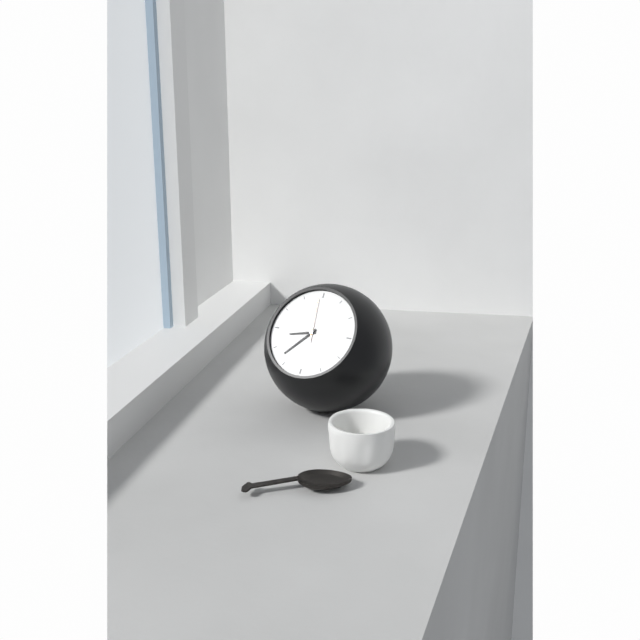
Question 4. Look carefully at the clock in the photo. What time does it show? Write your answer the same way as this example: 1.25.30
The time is 8.37.59
